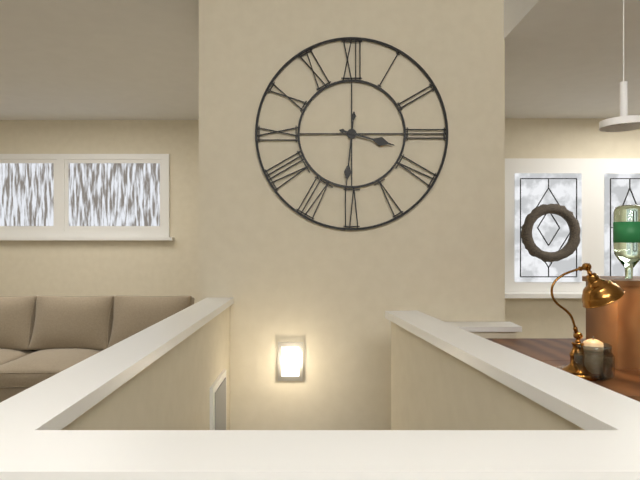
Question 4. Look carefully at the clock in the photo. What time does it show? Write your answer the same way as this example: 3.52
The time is 3.31
